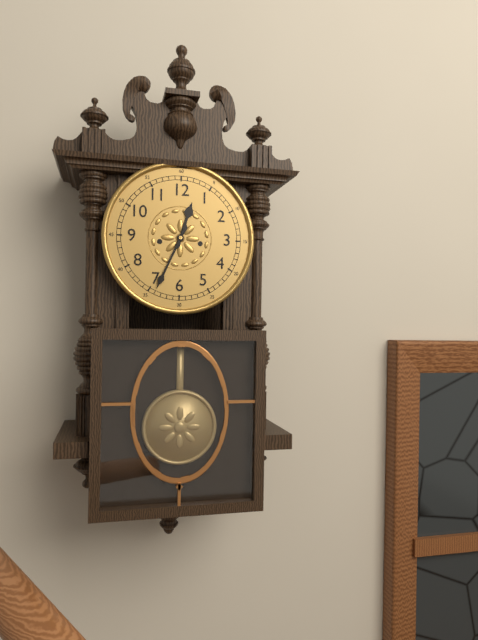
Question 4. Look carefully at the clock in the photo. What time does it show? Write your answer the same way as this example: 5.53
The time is 12.34
